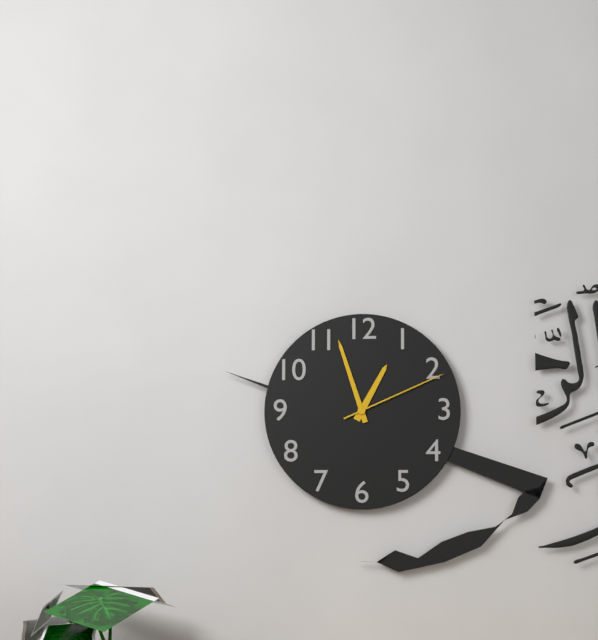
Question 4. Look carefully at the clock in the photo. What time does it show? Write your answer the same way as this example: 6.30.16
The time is 12.57.11
